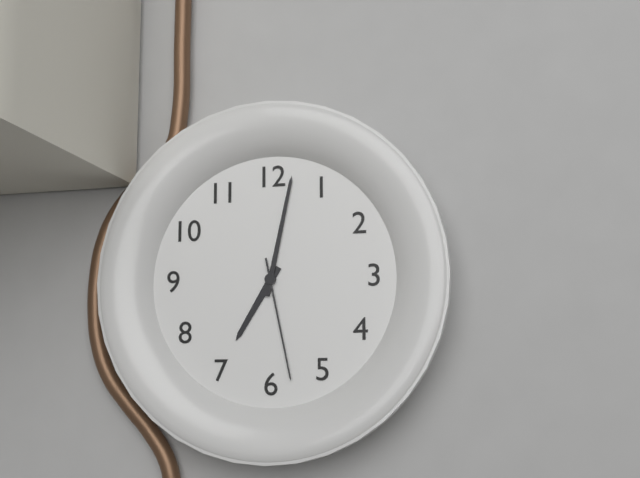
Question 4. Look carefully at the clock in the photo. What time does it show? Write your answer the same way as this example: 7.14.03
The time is 7.02.28
